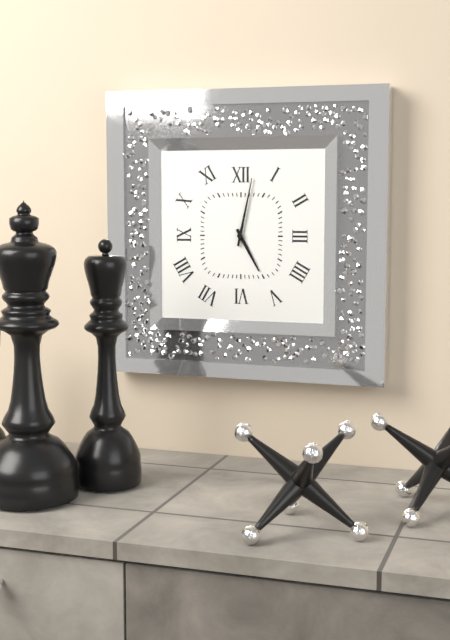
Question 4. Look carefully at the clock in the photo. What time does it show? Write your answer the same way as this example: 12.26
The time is 5.02
